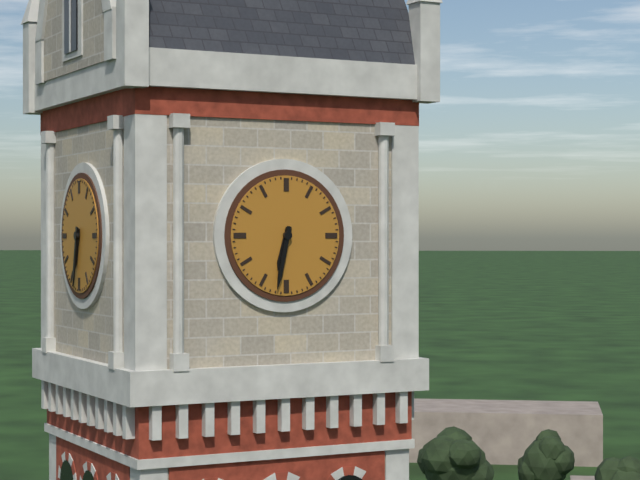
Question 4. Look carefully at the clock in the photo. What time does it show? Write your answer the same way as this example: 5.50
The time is 6.32
